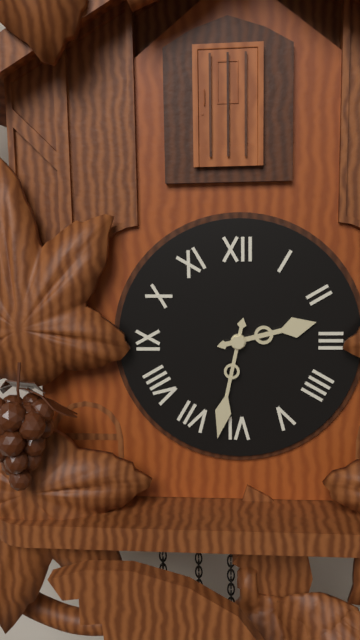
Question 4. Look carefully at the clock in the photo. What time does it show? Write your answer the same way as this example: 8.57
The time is 2.32
